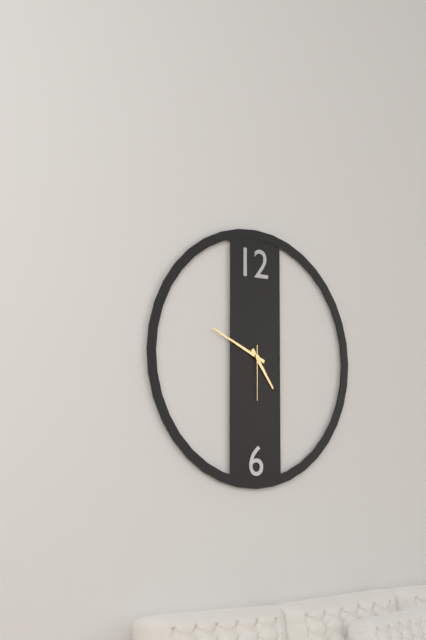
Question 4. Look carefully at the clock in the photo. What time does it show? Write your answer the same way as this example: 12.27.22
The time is 4.49.30
